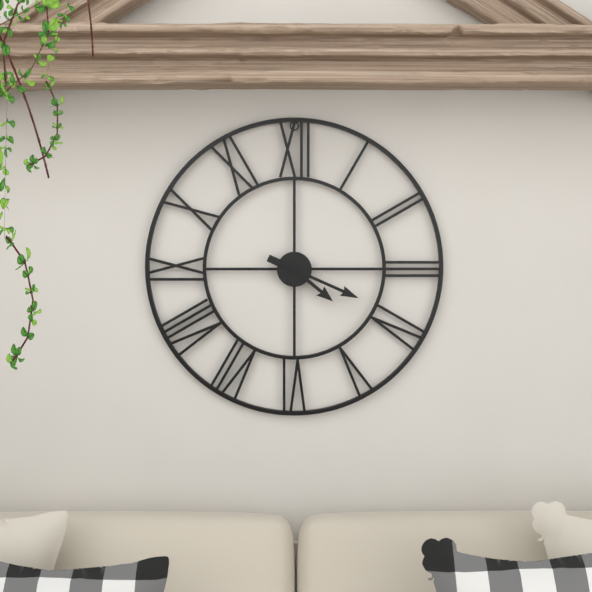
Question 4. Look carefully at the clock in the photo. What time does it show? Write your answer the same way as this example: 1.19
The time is 4.19
